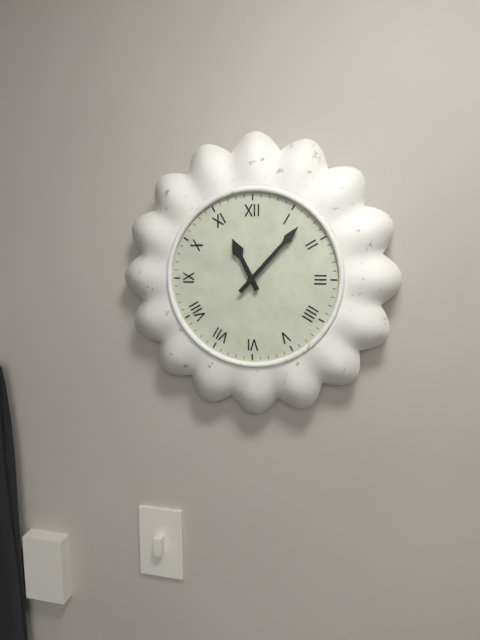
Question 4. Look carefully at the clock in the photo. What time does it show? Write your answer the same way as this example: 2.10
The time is 11.07
